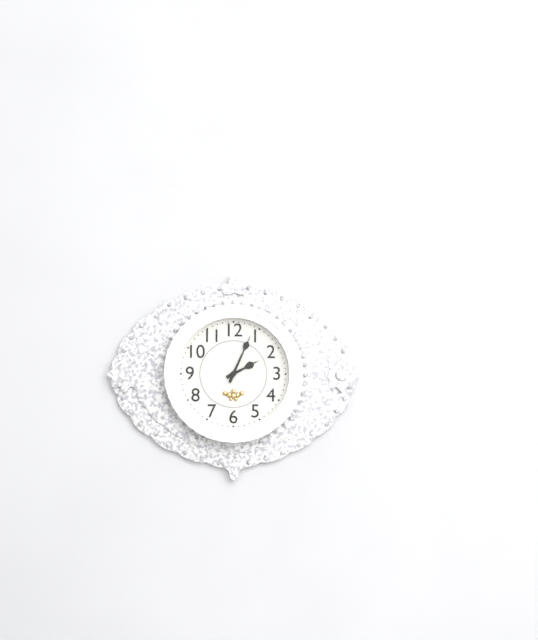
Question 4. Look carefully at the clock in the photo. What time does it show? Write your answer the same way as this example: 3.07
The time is 2.04
